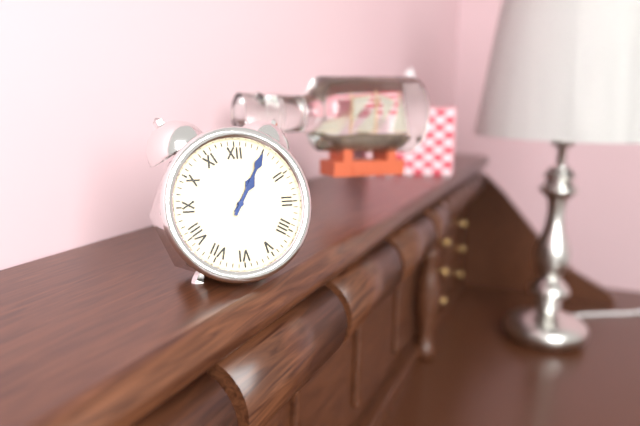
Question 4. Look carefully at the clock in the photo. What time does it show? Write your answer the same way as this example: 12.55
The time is 1.05
